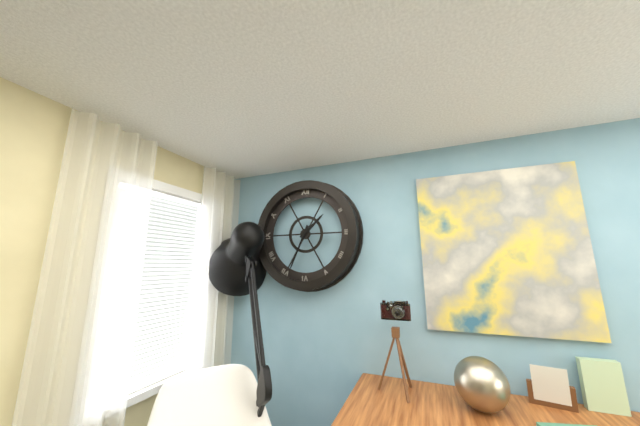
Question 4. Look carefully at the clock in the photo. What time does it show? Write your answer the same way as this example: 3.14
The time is 1.34
